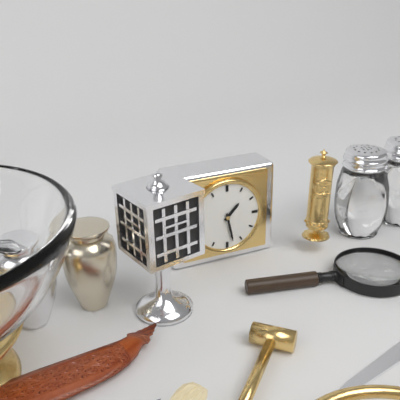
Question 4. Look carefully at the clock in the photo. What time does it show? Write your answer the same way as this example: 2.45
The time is 1.28
